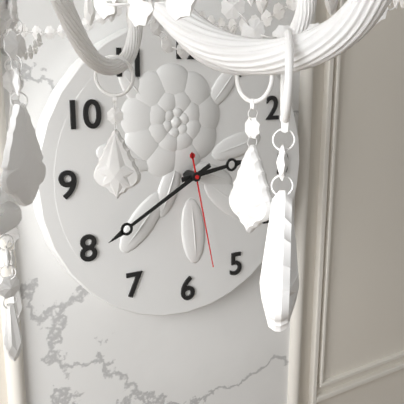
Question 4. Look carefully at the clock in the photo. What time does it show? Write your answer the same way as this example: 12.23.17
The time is 2.40.28
